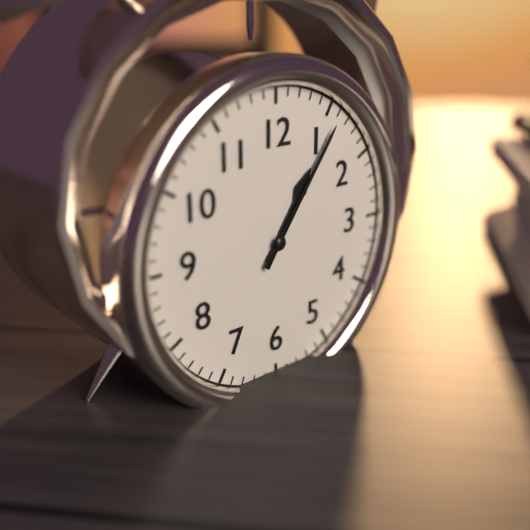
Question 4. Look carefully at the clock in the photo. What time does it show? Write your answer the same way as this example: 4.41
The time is 1.06
